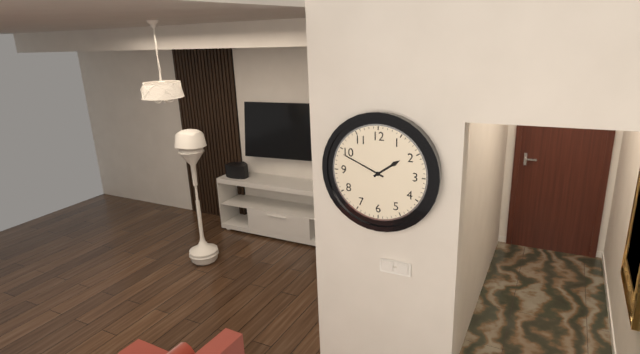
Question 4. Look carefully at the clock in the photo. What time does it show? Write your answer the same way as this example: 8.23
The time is 1.49
